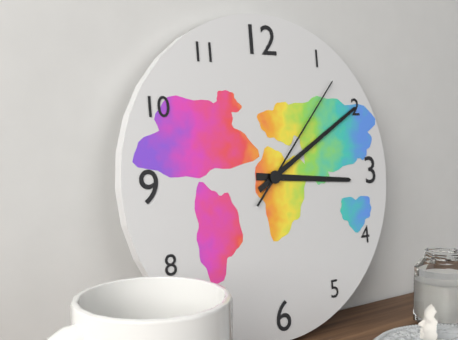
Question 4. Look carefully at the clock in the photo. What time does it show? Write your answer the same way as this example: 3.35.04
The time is 3.10.07
